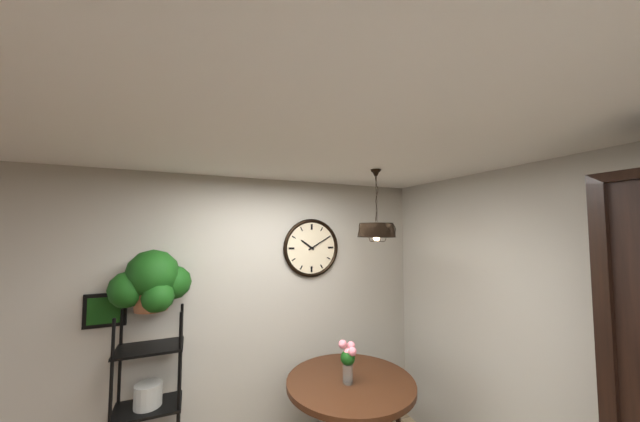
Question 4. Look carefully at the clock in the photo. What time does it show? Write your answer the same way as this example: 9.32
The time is 10.10
